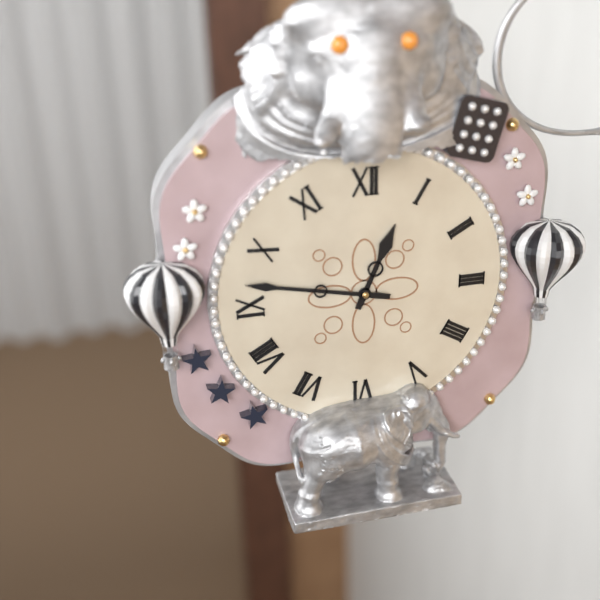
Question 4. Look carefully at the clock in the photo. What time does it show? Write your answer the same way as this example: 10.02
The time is 12.47
